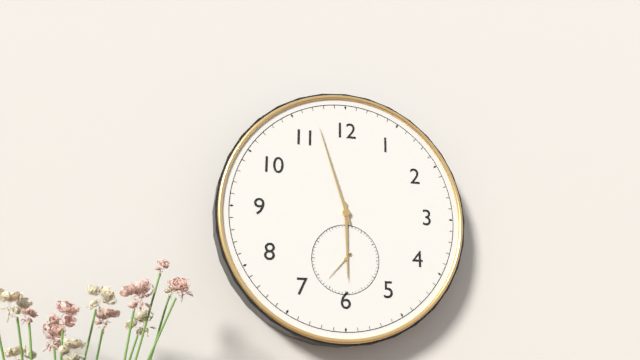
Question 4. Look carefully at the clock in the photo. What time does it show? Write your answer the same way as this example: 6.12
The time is 5.57
